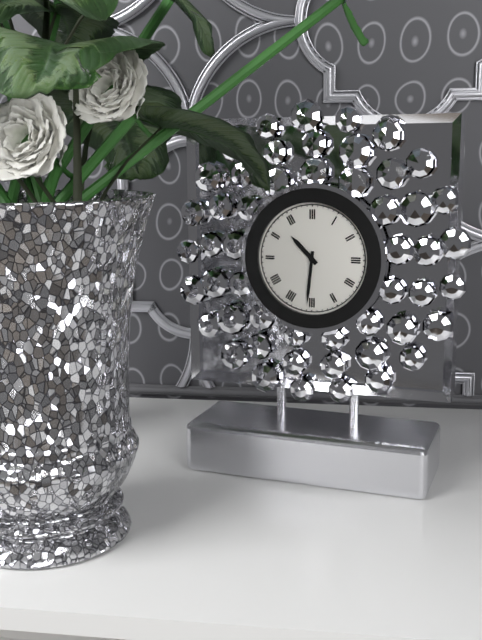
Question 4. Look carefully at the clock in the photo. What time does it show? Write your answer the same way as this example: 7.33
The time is 10.31
